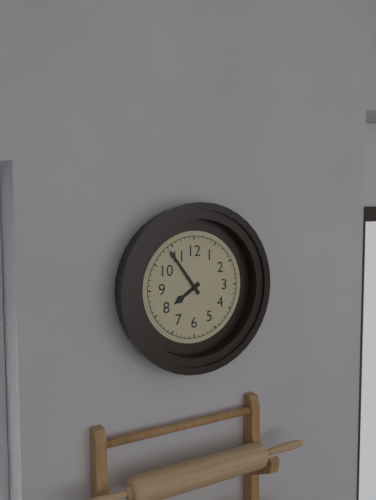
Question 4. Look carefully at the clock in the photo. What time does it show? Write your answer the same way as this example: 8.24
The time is 7.54
